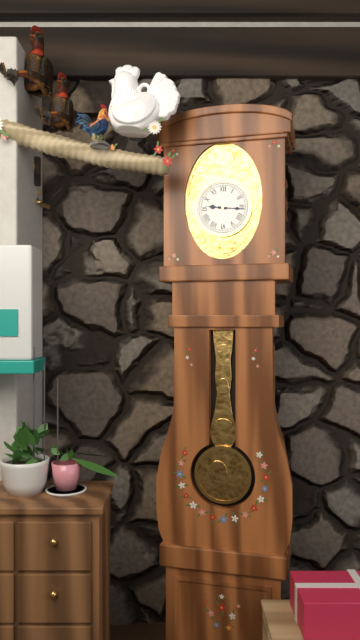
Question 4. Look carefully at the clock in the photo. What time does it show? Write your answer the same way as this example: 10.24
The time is 9.16
